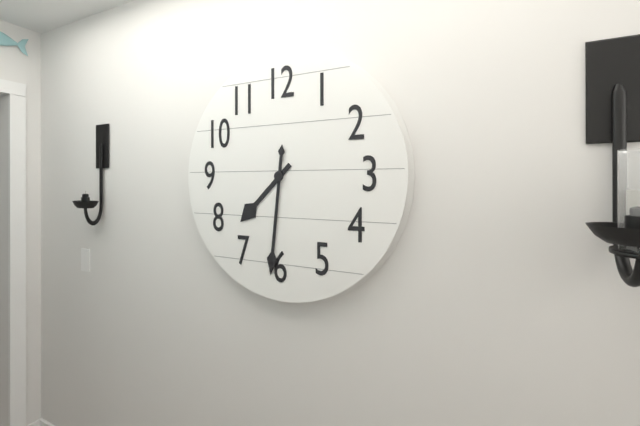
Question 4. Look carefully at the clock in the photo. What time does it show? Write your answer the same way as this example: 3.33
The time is 7.31
